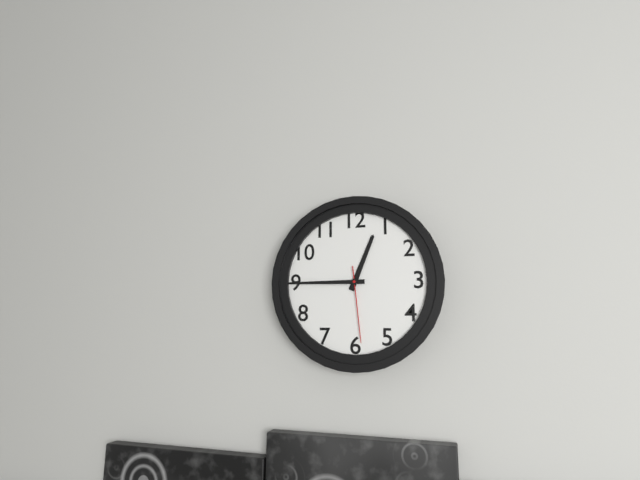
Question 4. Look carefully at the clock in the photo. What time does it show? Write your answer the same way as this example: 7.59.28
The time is 12.45.29
